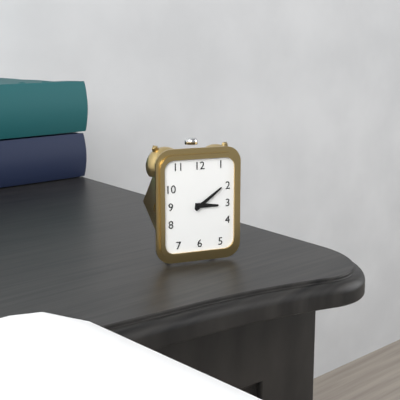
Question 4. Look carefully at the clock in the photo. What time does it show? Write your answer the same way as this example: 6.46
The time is 3.09
